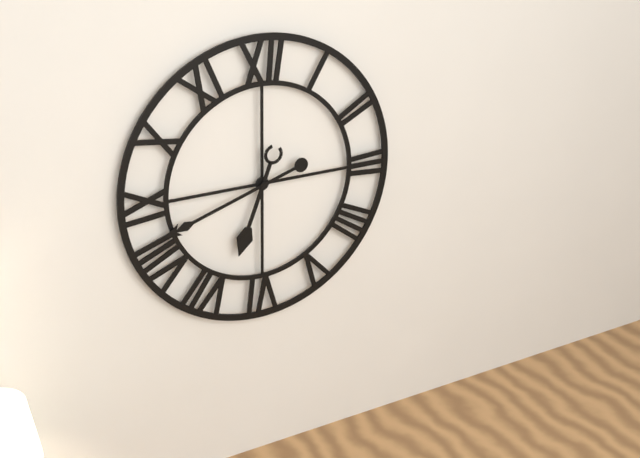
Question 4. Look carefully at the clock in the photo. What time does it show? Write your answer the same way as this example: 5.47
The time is 6.42
